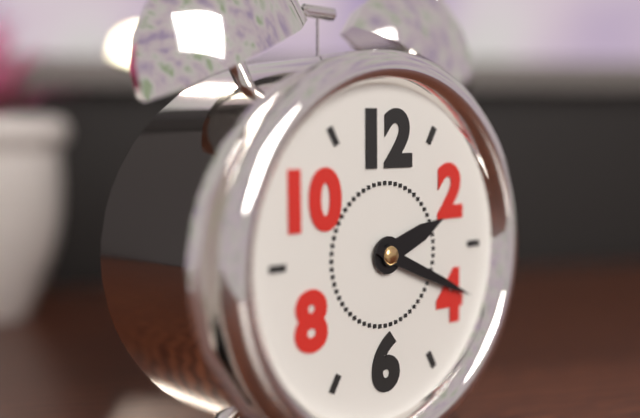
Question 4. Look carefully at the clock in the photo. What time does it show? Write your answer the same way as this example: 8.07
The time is 2.19
